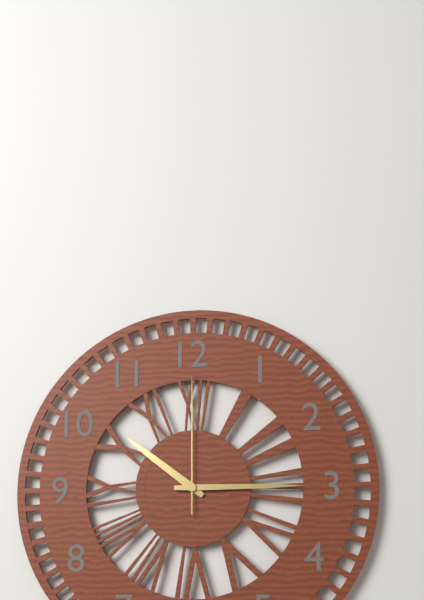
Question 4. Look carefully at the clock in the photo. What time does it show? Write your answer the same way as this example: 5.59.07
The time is 10.15.00
